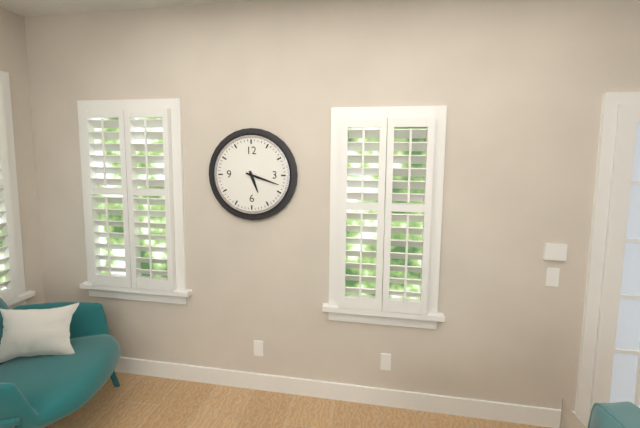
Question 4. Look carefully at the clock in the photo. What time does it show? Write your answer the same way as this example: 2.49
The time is 5.18
